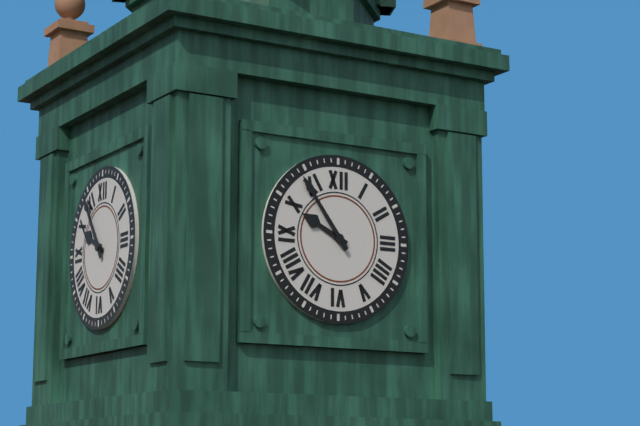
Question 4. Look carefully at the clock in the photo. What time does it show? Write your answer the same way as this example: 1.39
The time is 9.54
